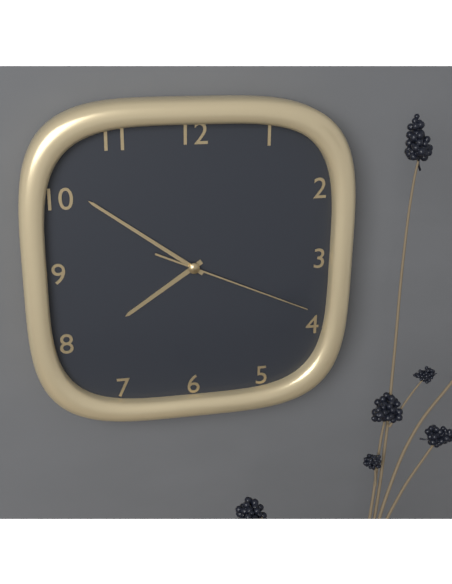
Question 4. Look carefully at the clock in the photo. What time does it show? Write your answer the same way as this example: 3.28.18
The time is 7.51.19
